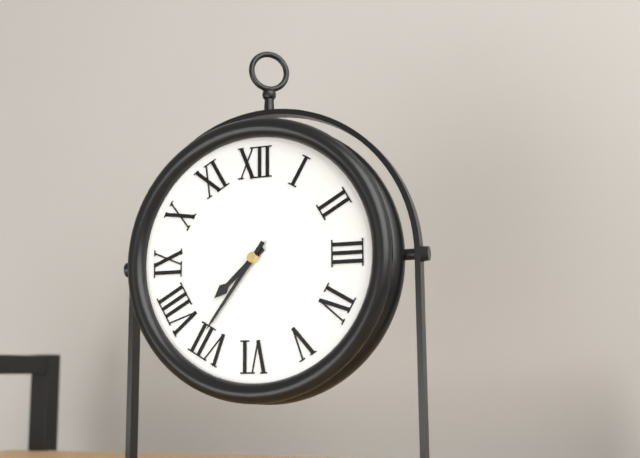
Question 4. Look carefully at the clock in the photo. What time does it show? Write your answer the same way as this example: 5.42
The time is 7.36
